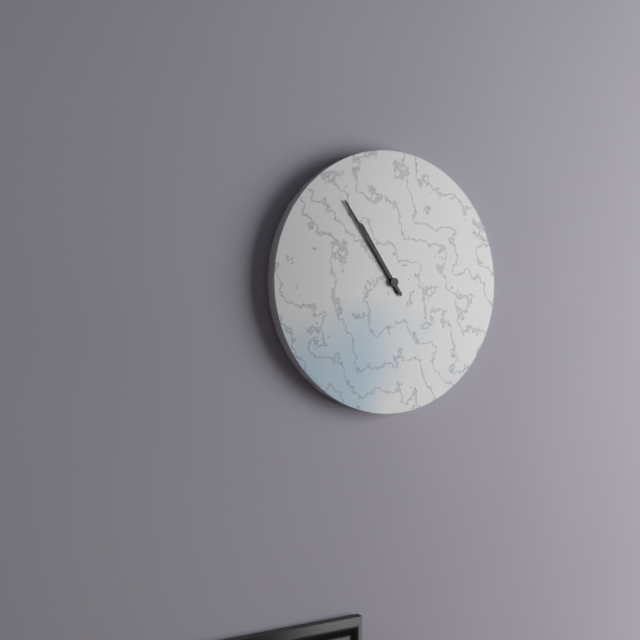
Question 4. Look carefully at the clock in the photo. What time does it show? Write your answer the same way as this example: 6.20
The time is 10.54
